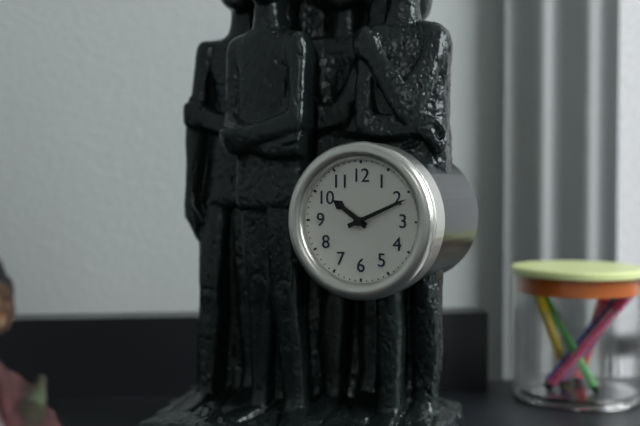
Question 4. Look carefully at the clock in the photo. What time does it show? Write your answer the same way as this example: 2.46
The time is 10.11
